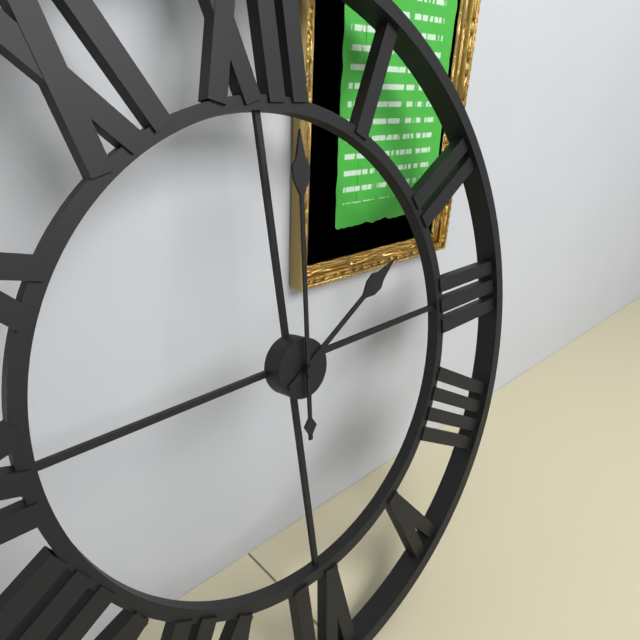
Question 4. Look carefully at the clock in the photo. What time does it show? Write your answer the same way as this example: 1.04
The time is 2.01
